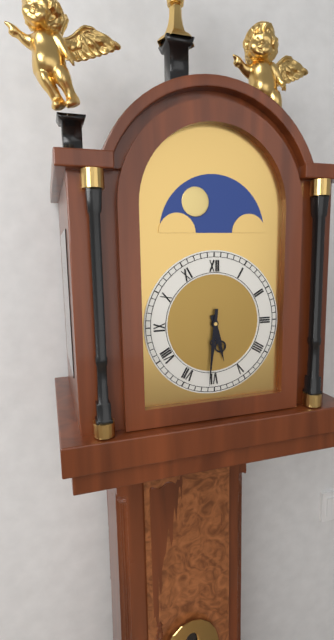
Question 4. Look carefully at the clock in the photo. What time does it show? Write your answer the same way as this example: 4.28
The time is 5.31
